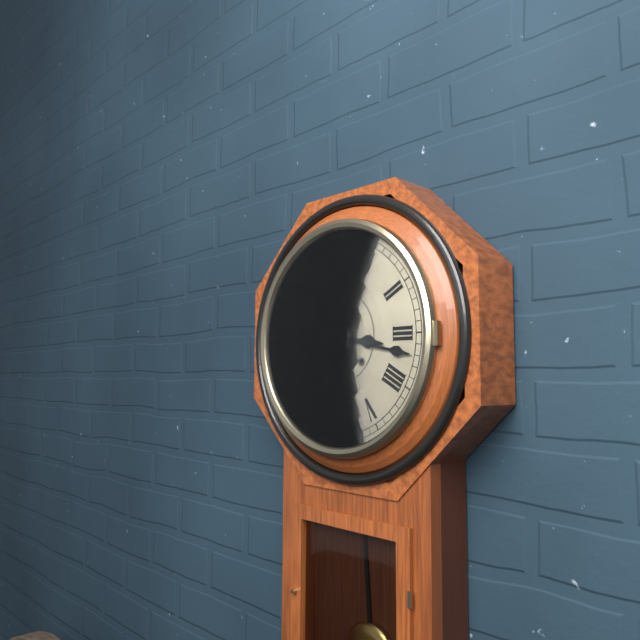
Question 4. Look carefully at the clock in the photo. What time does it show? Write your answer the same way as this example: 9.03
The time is 3.17
